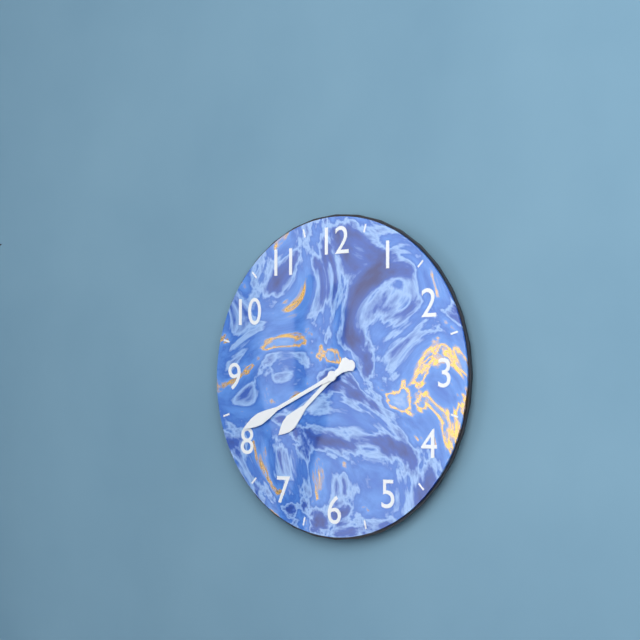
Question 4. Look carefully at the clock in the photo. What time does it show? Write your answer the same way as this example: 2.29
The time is 7.41
